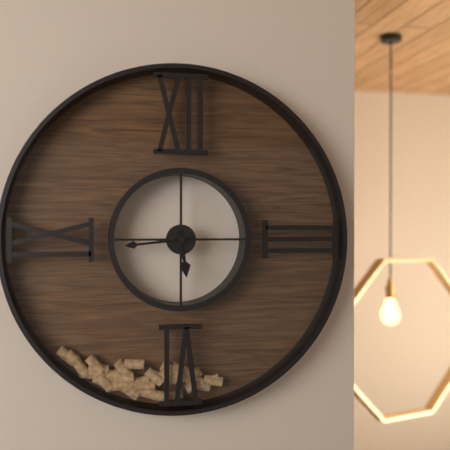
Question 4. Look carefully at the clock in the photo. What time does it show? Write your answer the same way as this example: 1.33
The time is 5.44
